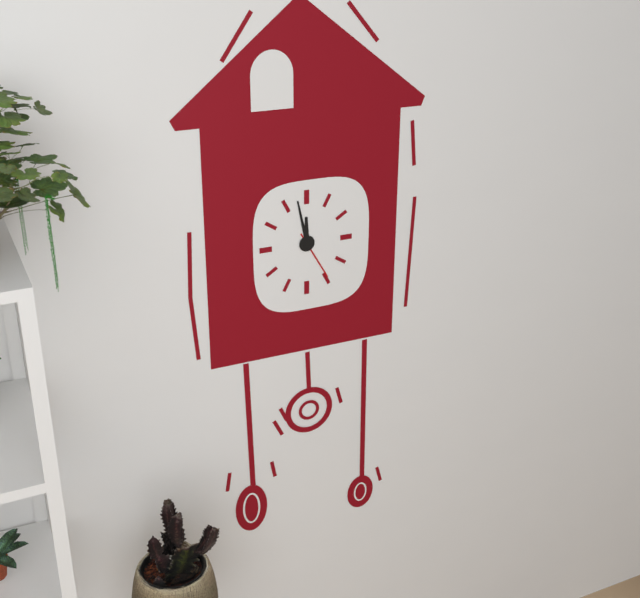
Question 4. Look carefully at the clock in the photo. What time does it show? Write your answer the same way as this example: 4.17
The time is 11.58
